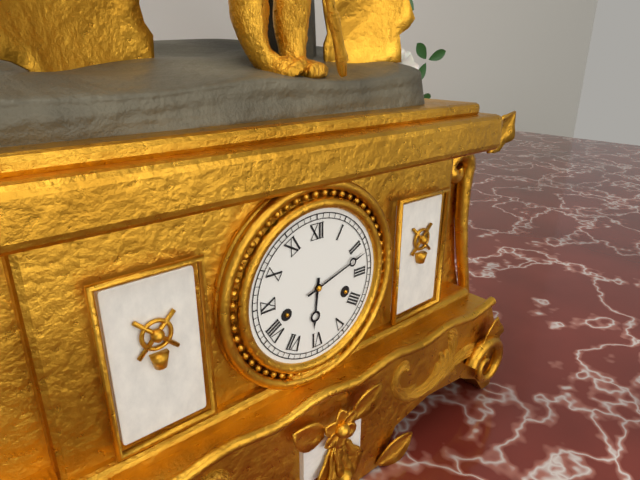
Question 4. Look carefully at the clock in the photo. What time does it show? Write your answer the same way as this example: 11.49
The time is 6.12
